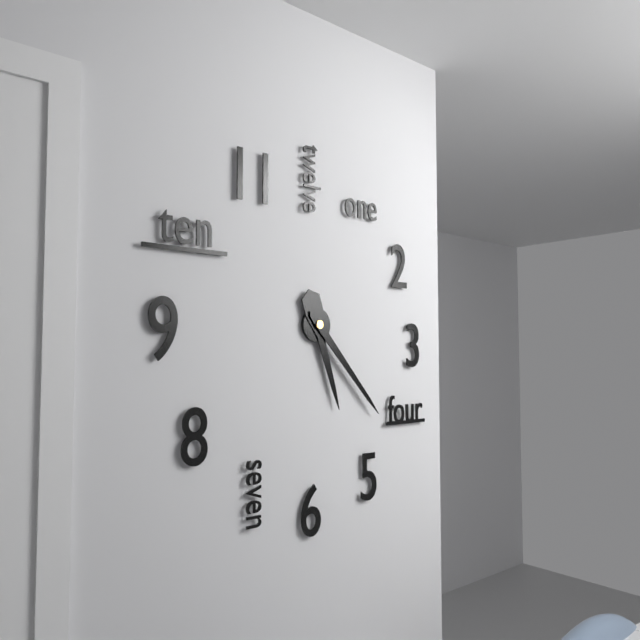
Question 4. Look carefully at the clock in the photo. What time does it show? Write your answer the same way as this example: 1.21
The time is 5.23
